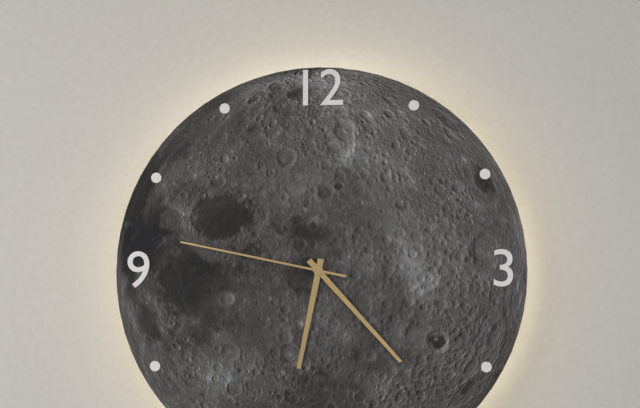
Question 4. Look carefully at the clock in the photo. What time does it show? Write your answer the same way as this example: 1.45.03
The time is 6.23.47
